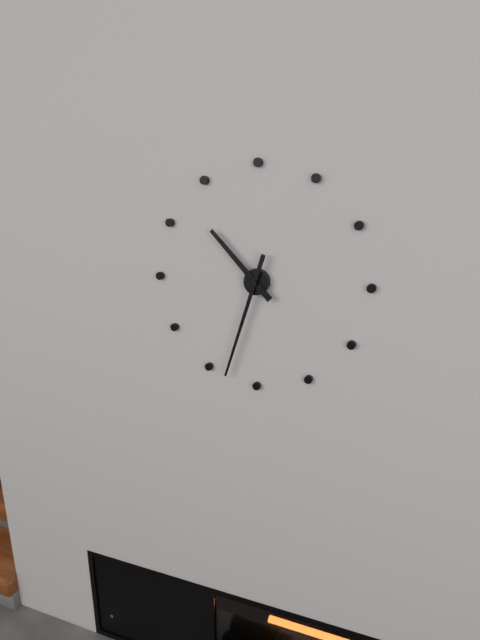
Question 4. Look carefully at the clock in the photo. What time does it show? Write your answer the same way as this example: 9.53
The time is 10.33
